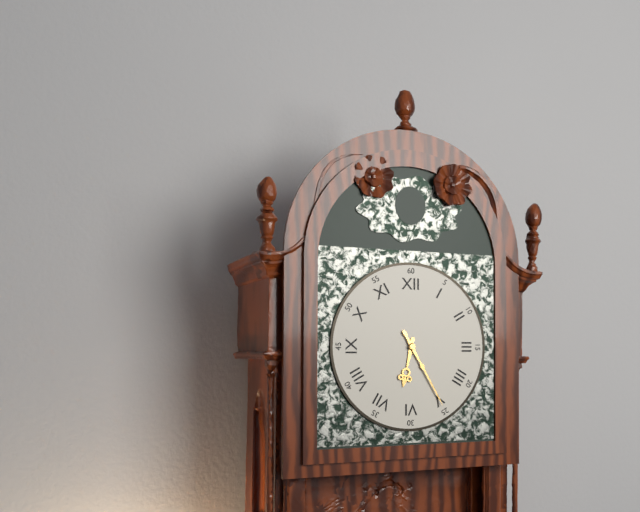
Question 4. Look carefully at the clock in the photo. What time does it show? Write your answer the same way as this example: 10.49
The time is 6.25
